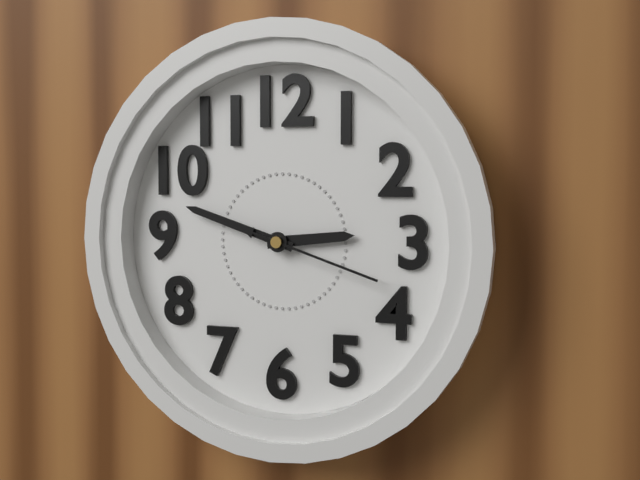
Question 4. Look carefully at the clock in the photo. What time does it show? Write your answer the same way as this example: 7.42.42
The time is 2.48.18
